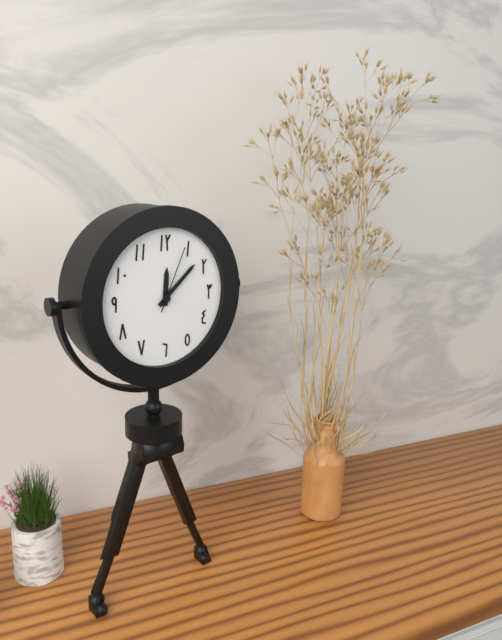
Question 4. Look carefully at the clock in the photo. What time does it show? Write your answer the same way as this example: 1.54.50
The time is 12.08.04
